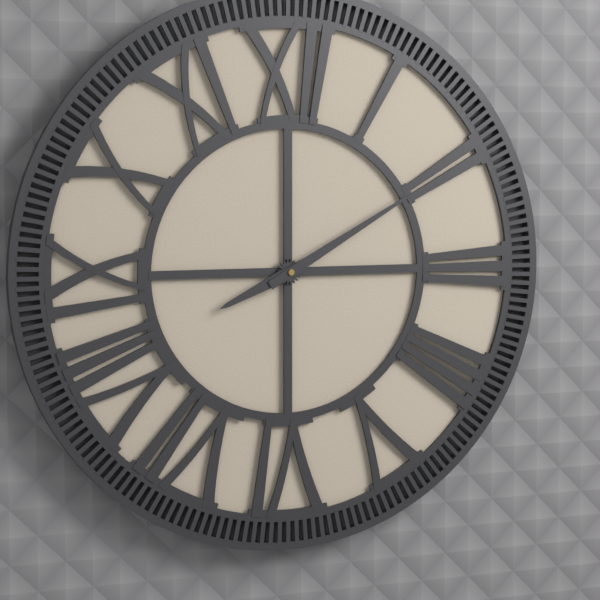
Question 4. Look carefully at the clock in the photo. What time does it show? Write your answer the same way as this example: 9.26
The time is 8.10
